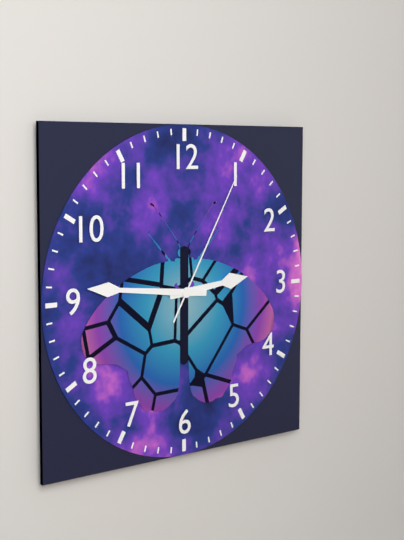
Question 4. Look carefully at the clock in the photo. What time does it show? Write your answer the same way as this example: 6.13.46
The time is 2.46.05
